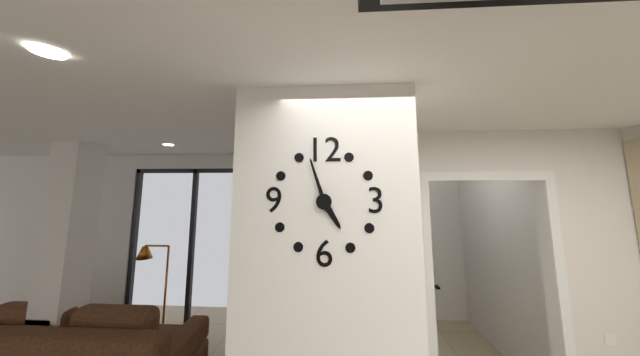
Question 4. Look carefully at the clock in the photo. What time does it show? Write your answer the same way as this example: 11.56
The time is 4.57
